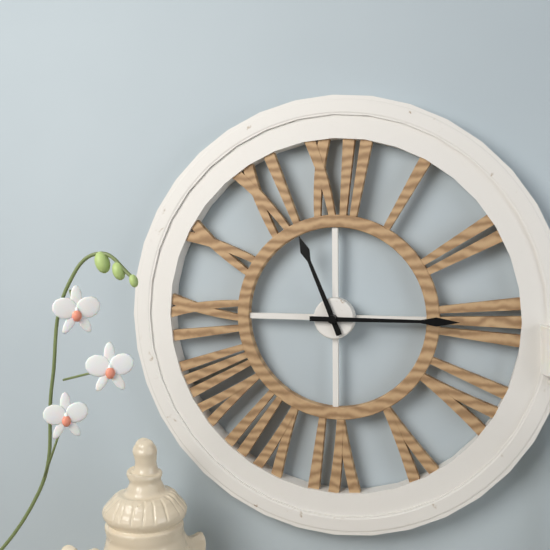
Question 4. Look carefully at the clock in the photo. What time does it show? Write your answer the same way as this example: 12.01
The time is 11.15
